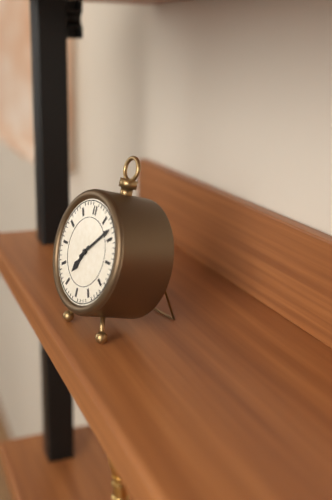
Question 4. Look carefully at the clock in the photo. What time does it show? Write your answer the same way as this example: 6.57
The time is 7.08
